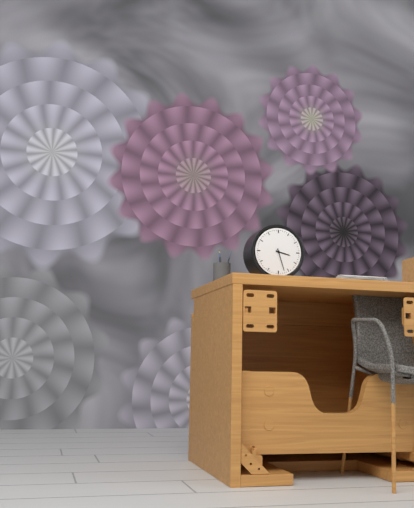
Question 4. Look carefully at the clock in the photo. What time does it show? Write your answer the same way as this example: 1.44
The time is 3.27
